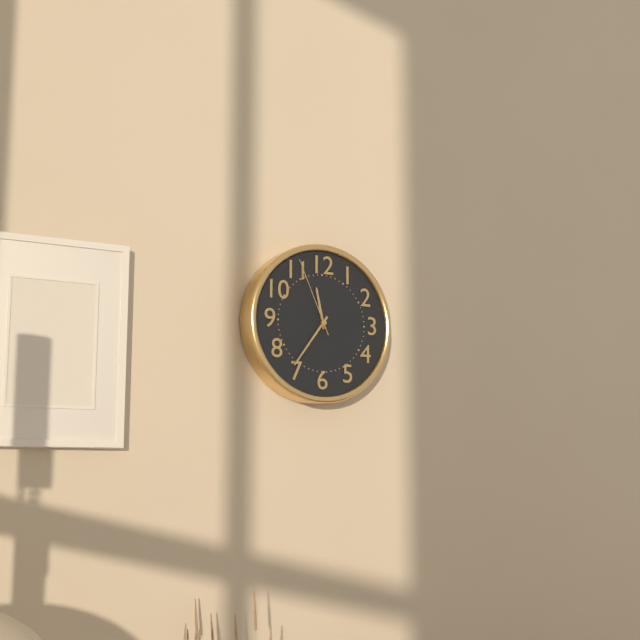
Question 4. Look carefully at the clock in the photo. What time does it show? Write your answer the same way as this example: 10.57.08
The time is 11.36.56
